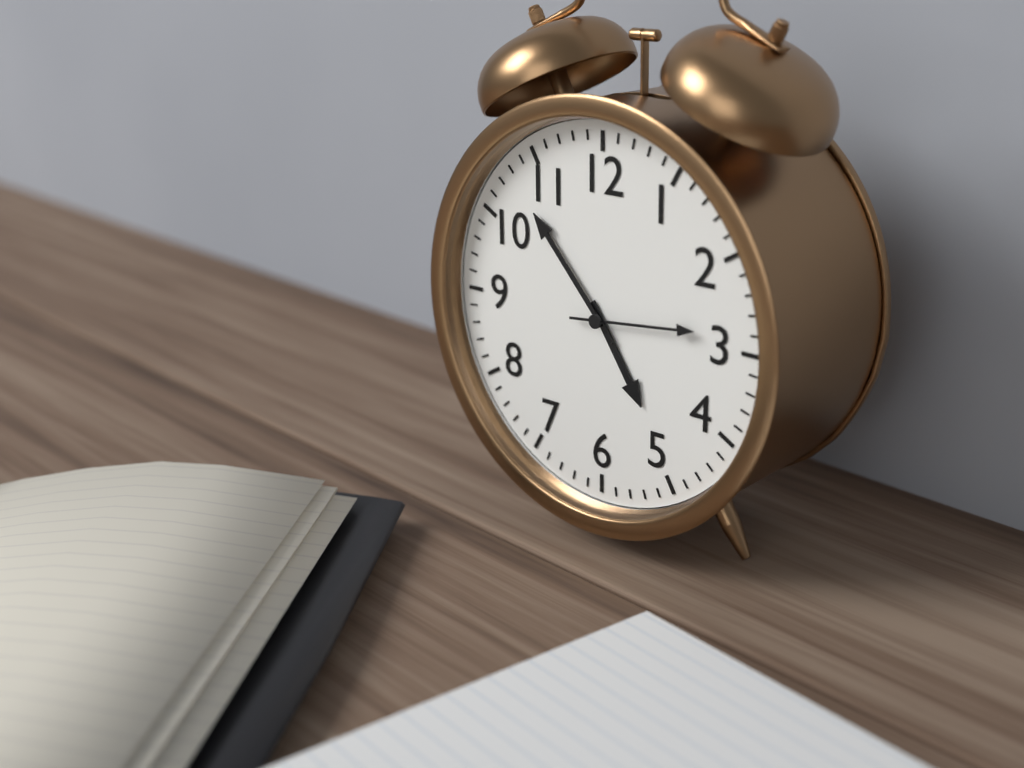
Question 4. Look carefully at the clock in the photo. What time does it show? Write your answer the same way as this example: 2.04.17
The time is 4.53.14
